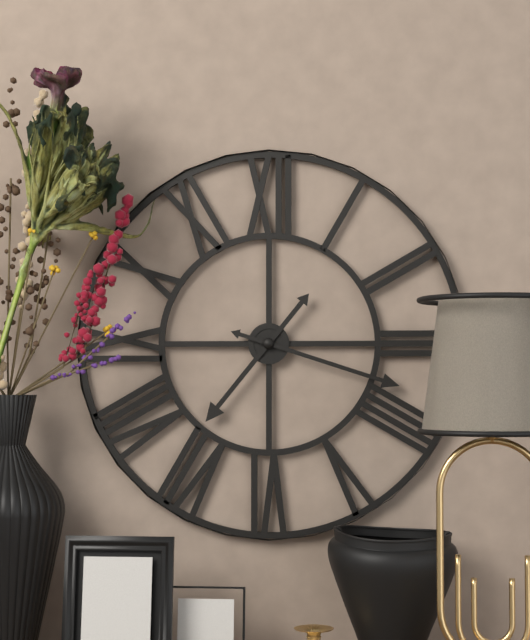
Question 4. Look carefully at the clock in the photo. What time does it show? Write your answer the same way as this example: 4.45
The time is 7.18
